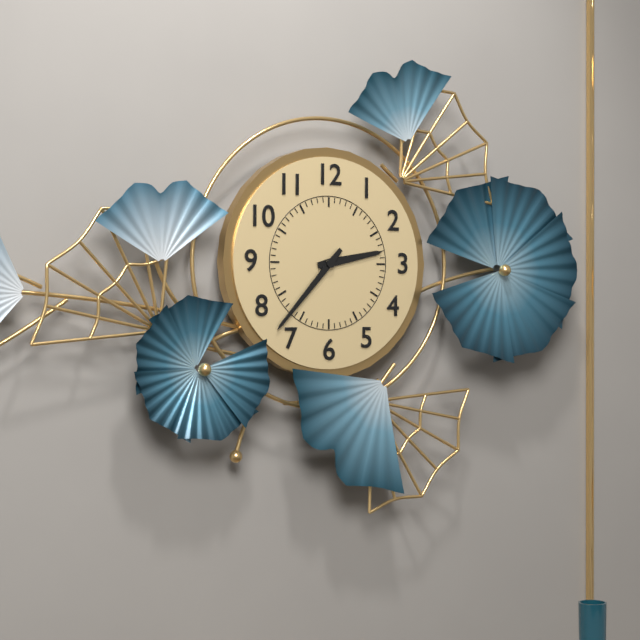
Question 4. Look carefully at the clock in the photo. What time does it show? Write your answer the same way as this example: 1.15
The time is 2.37
